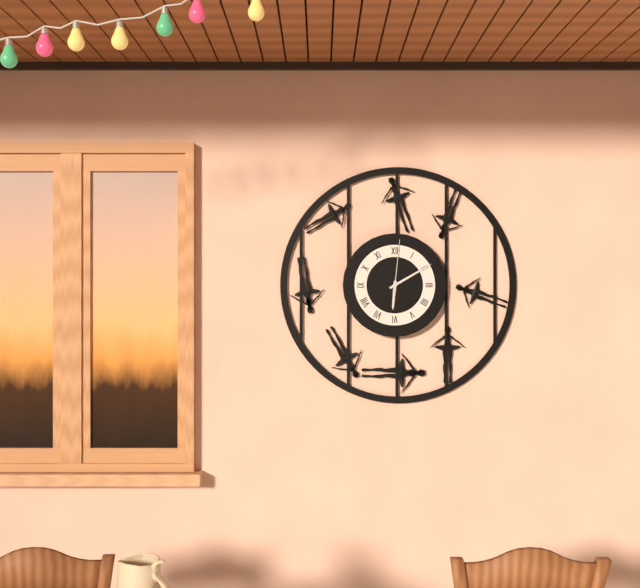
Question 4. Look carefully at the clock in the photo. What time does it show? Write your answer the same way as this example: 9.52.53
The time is 6.10.01
